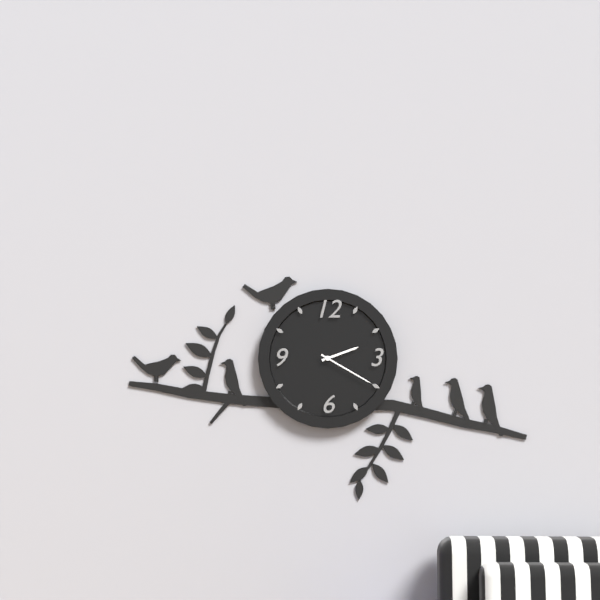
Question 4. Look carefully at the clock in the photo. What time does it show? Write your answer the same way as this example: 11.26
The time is 2.20
